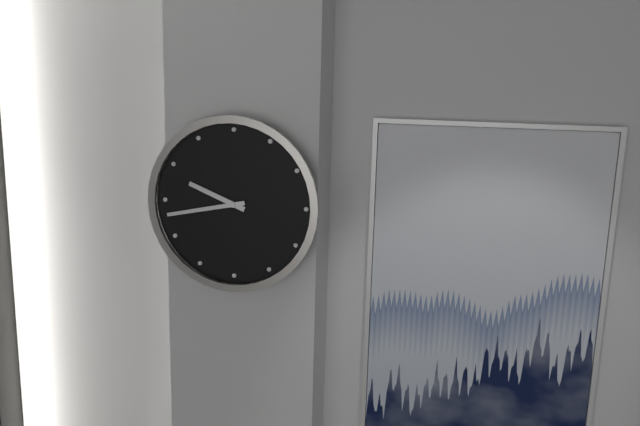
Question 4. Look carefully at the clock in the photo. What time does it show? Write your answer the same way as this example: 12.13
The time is 9.43
